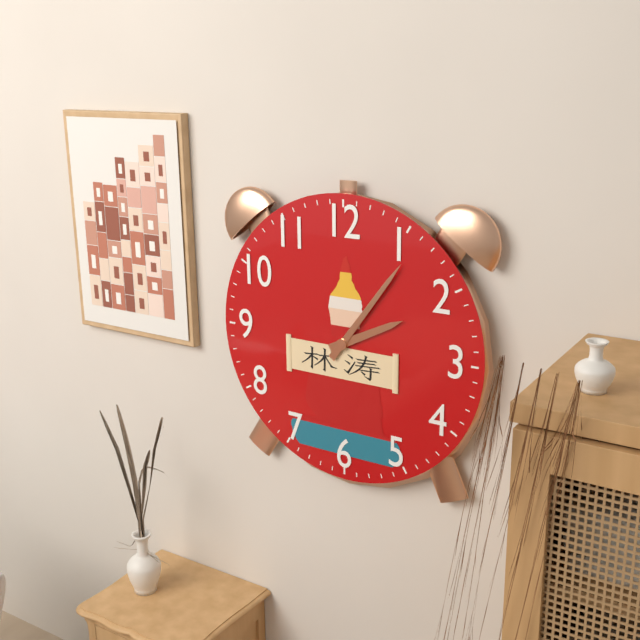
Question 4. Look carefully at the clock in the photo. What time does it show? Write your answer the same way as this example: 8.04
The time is 2.06
